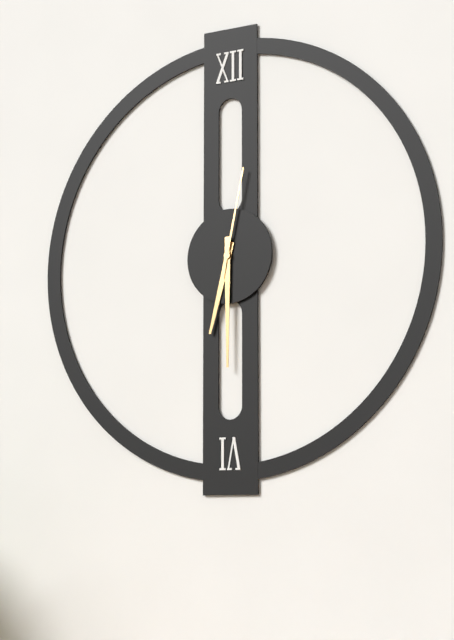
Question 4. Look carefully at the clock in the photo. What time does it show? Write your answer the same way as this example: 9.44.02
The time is 6.30.02
